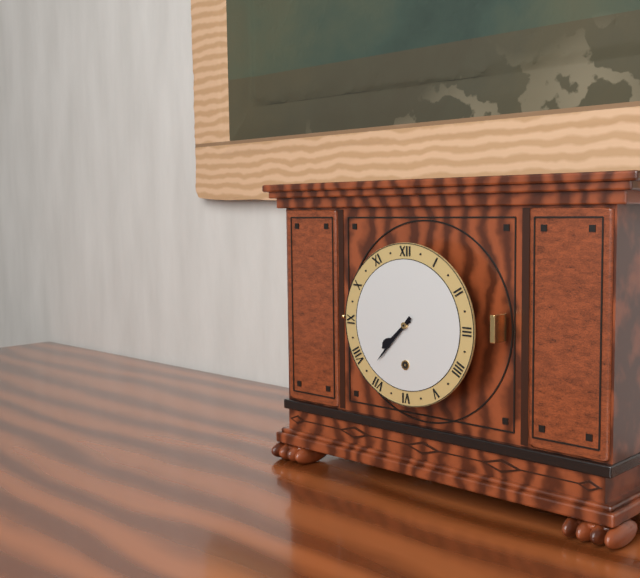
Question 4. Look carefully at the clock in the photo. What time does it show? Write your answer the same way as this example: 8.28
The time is 7.37
